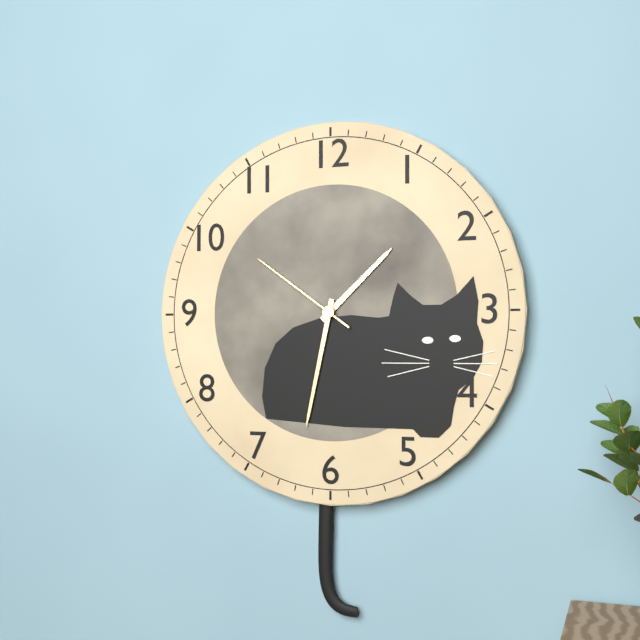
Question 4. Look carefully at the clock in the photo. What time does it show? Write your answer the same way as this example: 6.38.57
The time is 1.32.51
